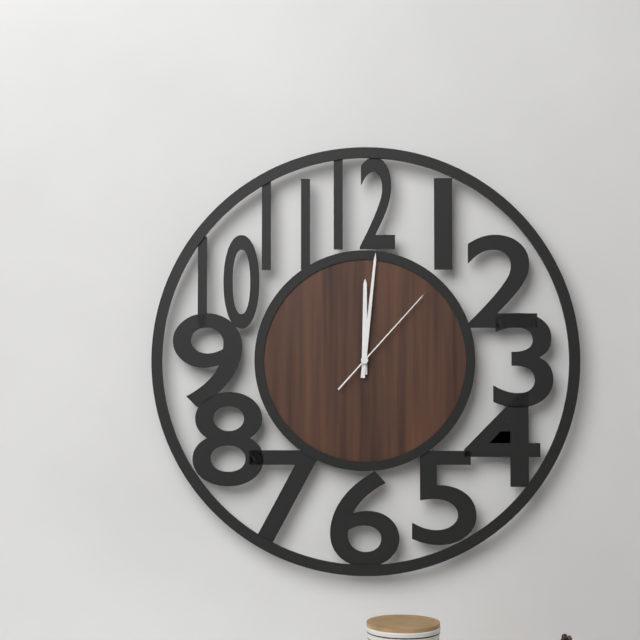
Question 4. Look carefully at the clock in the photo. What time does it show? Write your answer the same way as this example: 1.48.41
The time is 12.01.07
